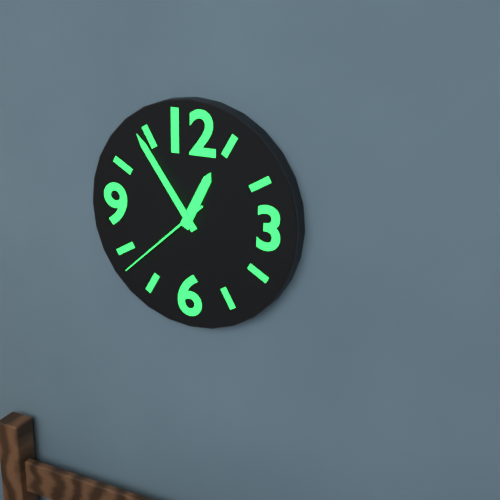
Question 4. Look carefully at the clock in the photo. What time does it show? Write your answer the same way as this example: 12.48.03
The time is 12.54.38
